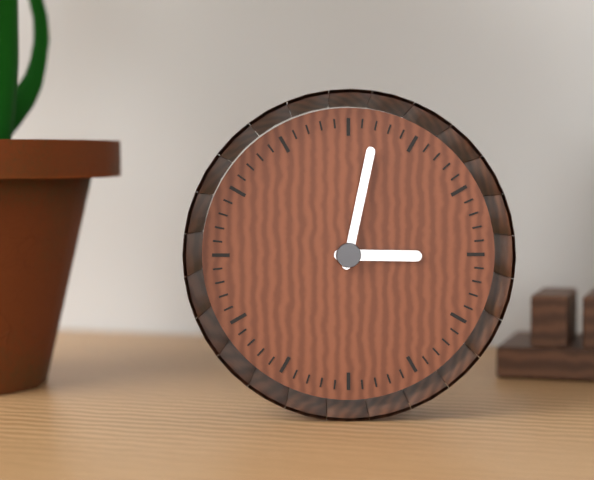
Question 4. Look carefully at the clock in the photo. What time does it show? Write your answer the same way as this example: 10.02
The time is 3.02
